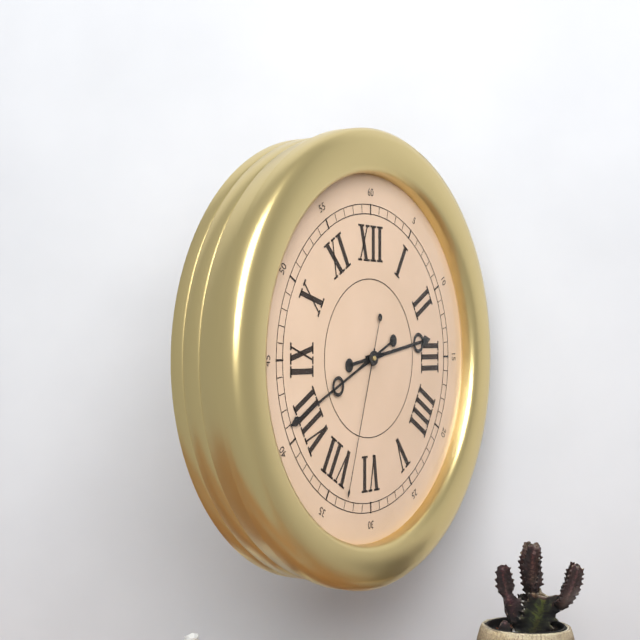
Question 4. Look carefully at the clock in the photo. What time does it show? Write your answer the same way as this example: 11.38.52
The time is 2.41.33
